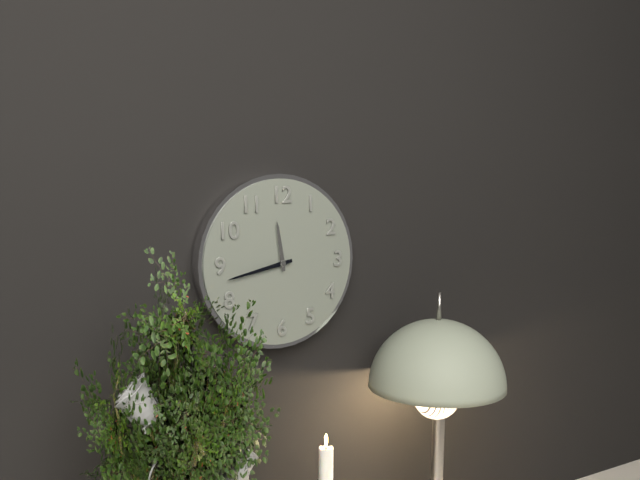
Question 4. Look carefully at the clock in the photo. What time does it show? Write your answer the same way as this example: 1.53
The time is 11.43
